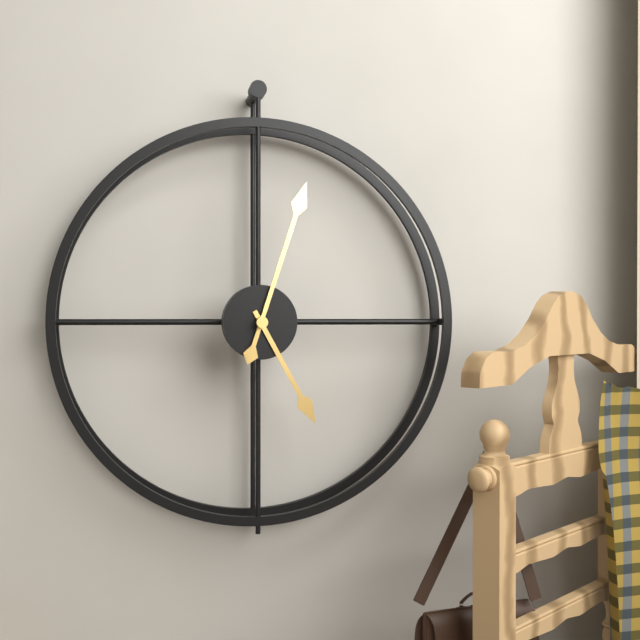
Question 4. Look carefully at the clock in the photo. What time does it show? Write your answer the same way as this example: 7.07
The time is 5.03
